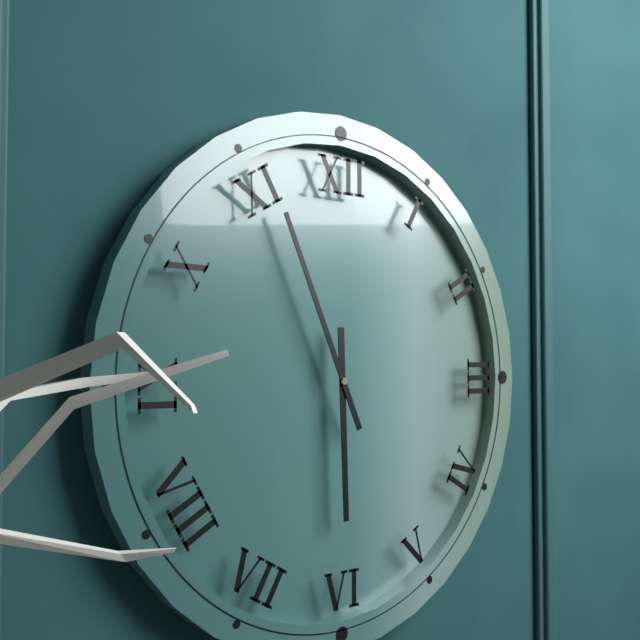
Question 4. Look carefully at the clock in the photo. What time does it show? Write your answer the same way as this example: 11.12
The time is 5.56
